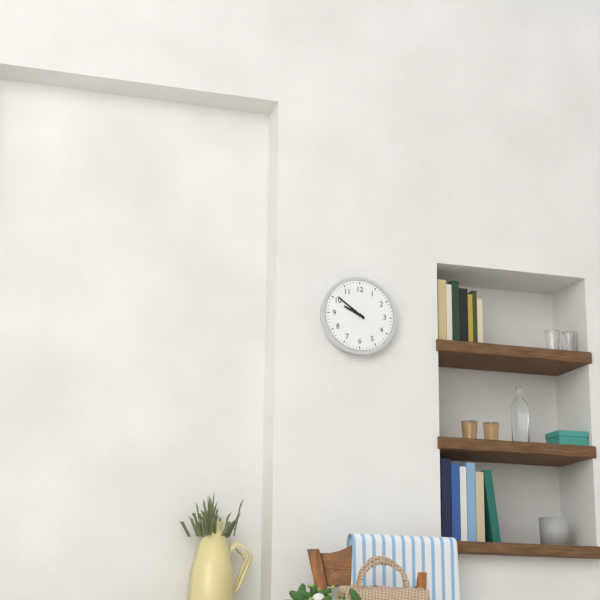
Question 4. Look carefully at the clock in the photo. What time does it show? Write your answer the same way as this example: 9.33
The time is 9.51
